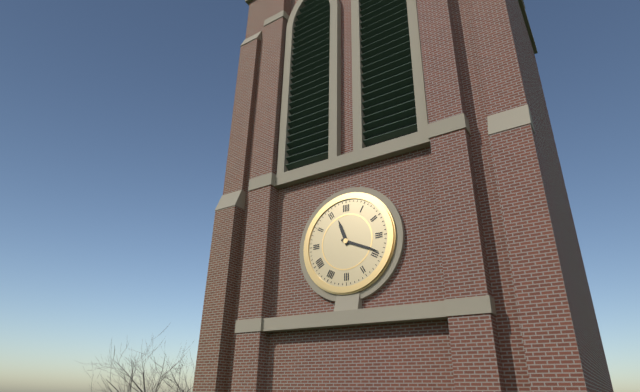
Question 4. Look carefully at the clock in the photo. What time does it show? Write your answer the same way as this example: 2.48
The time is 11.19
